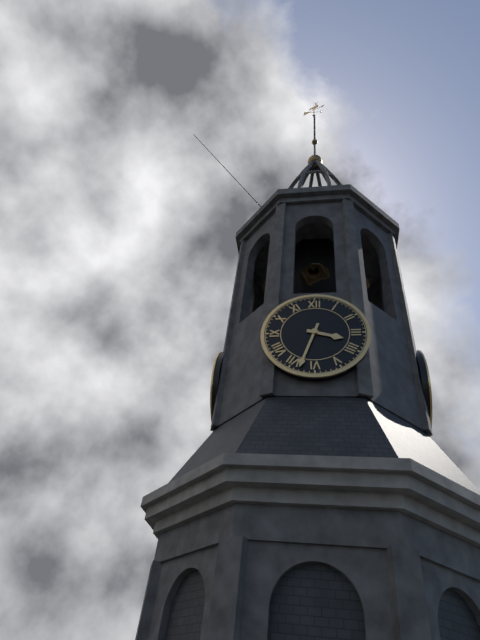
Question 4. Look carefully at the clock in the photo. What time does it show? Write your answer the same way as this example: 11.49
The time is 3.33
